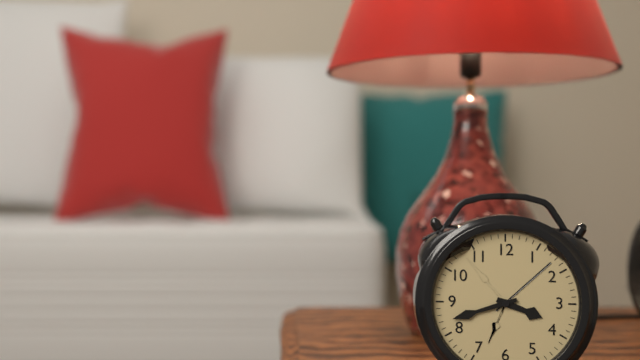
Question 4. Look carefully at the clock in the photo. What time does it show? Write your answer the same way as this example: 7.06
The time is 3.42
